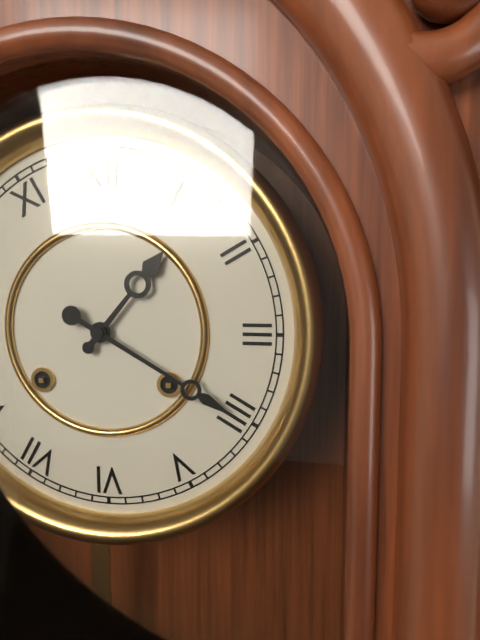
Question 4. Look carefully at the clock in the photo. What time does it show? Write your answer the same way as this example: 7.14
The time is 1.20
